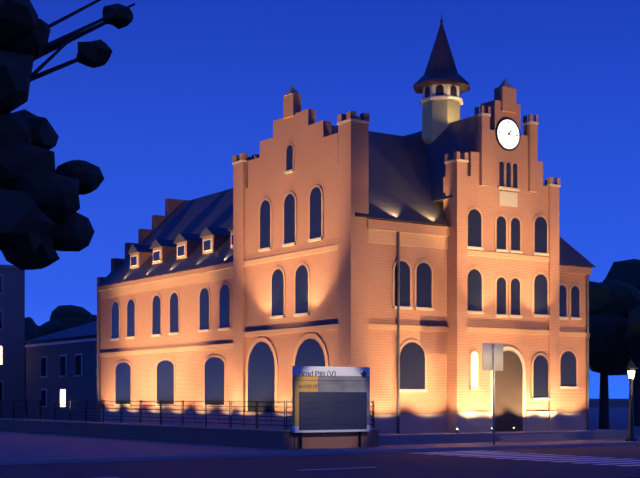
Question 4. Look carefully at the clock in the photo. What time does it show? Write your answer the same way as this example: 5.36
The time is 1.17
